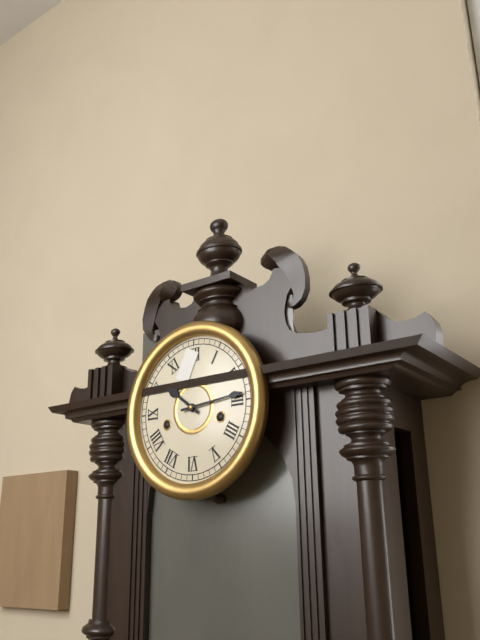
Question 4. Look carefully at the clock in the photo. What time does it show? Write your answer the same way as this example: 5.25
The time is 10.14
